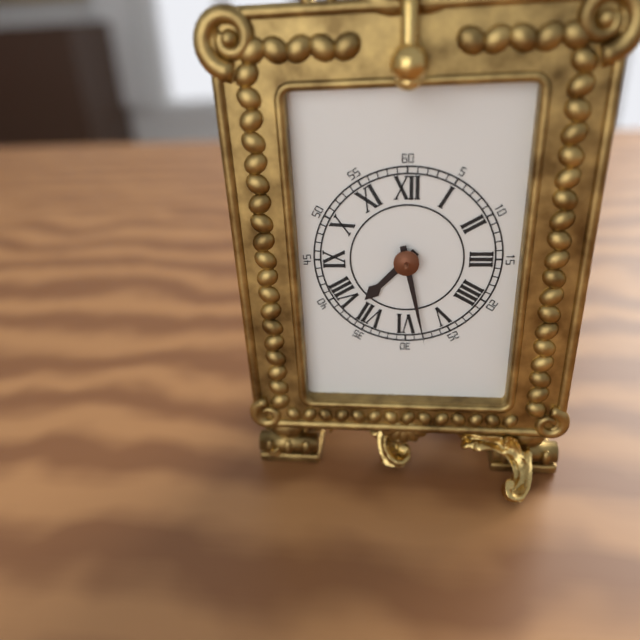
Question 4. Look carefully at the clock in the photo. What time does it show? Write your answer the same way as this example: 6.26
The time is 7.28
